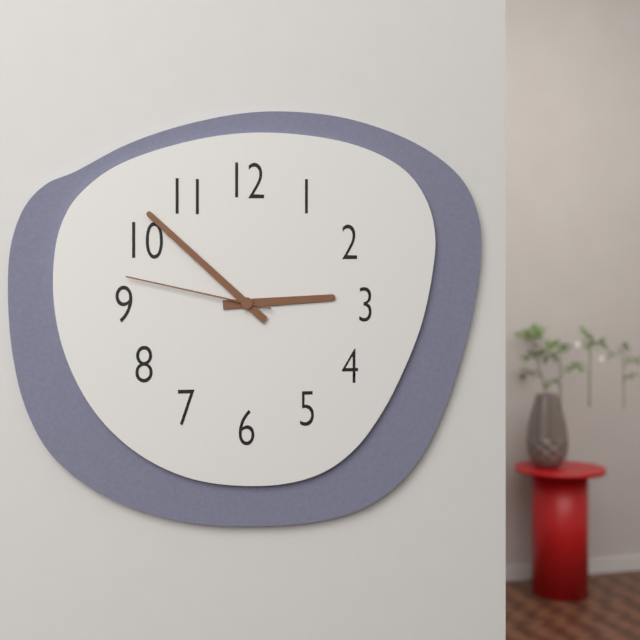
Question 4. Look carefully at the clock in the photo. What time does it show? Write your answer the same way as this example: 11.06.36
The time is 2.52.47
